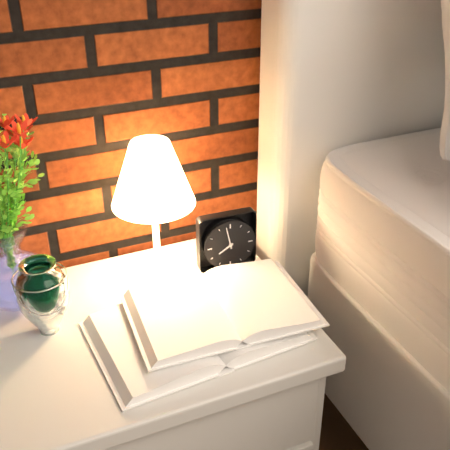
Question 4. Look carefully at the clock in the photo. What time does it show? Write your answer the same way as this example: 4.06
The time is 7.58
